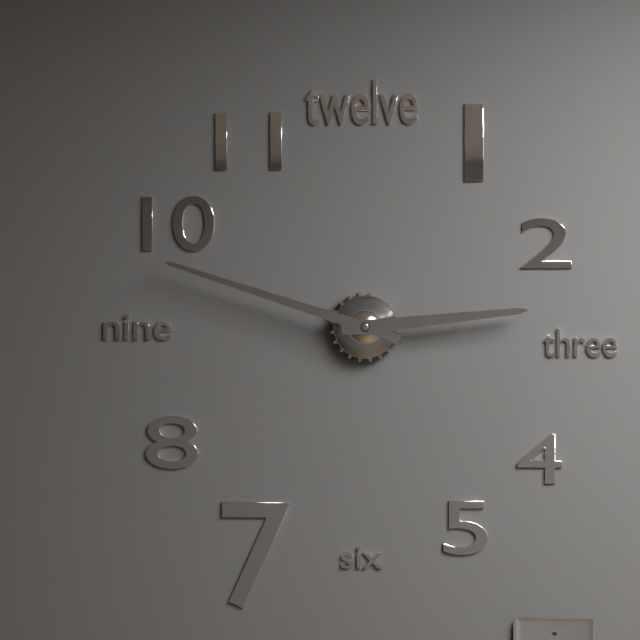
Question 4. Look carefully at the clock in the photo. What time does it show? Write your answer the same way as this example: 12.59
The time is 2.48
